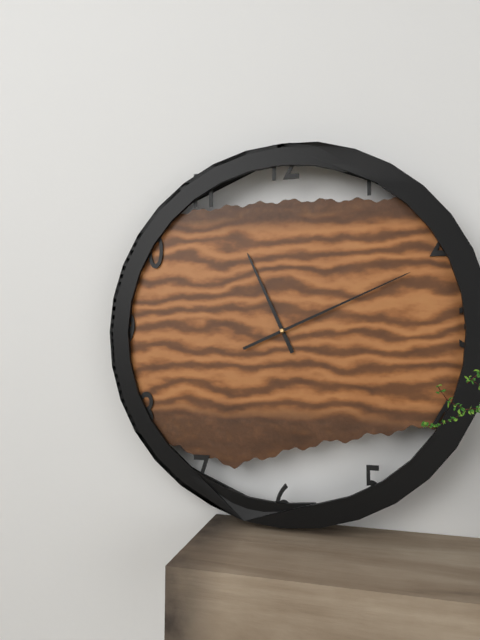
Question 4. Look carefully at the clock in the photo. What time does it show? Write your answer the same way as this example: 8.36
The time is 11.11
